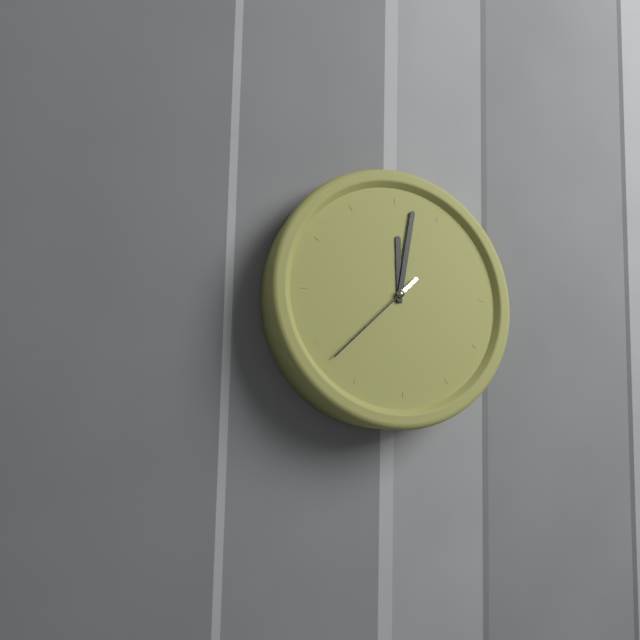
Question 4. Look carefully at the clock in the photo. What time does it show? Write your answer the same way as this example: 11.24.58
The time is 12.02.38
